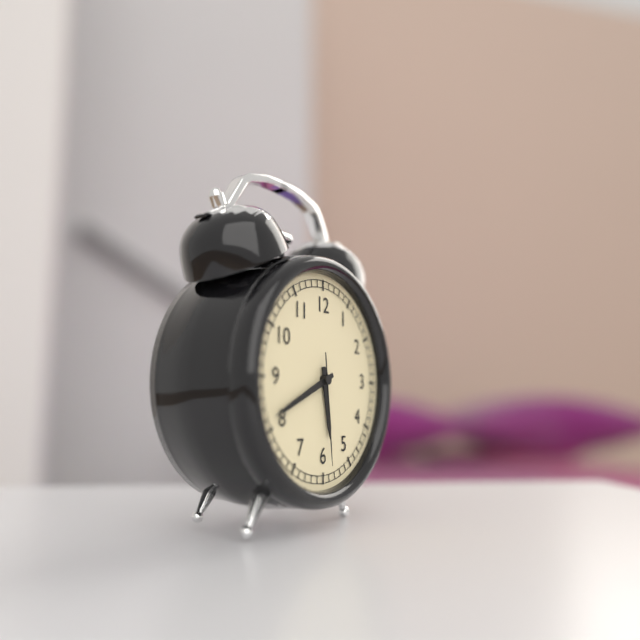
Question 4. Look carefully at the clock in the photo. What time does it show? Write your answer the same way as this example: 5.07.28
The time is 5.41.29
